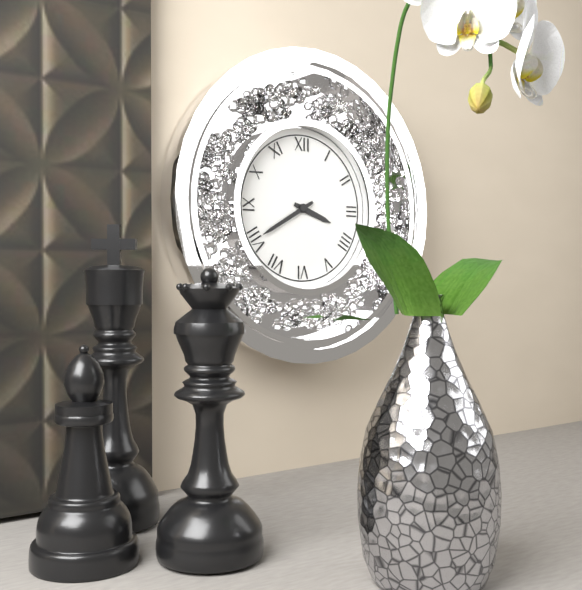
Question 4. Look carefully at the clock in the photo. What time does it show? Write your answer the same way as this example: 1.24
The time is 3.40
